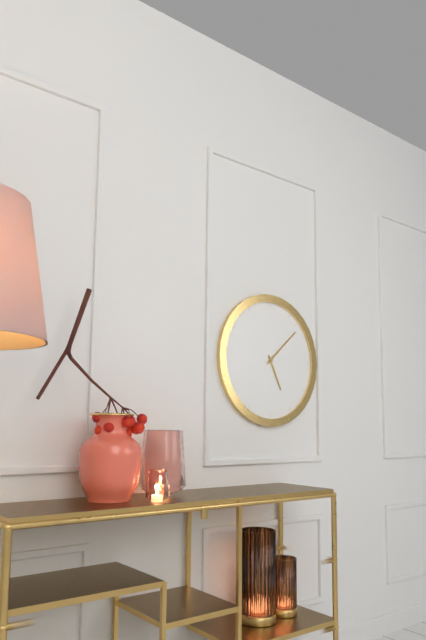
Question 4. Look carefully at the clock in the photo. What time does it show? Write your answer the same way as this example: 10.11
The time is 5.08
